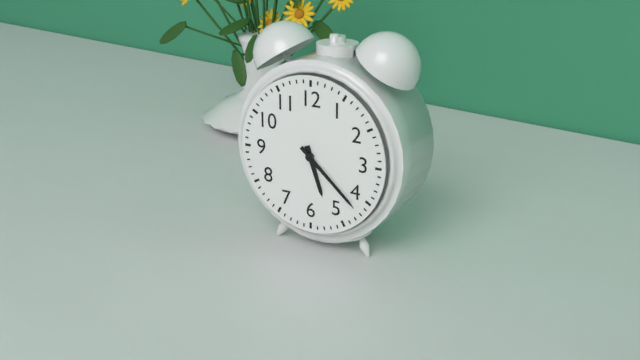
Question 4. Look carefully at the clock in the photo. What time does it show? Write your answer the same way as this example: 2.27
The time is 5.22
